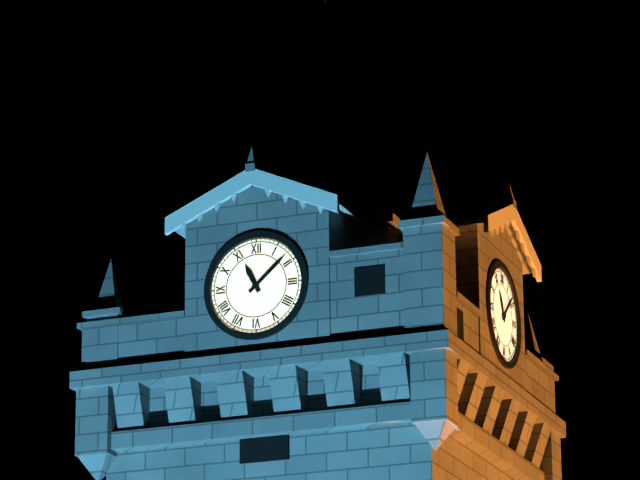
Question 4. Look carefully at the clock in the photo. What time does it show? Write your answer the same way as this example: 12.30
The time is 11.08
